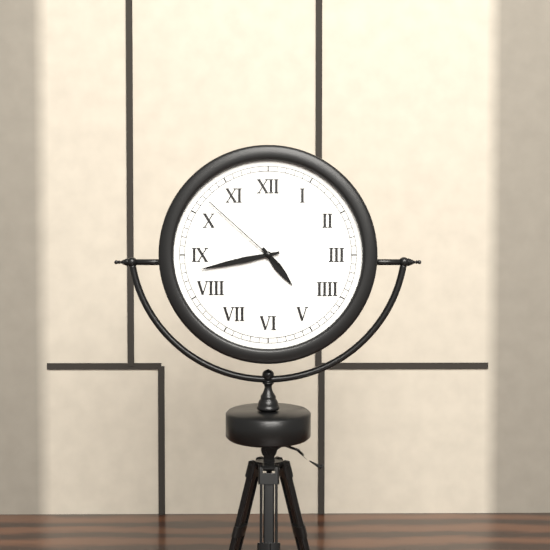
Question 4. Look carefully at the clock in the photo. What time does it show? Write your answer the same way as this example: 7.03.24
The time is 4.43.52
